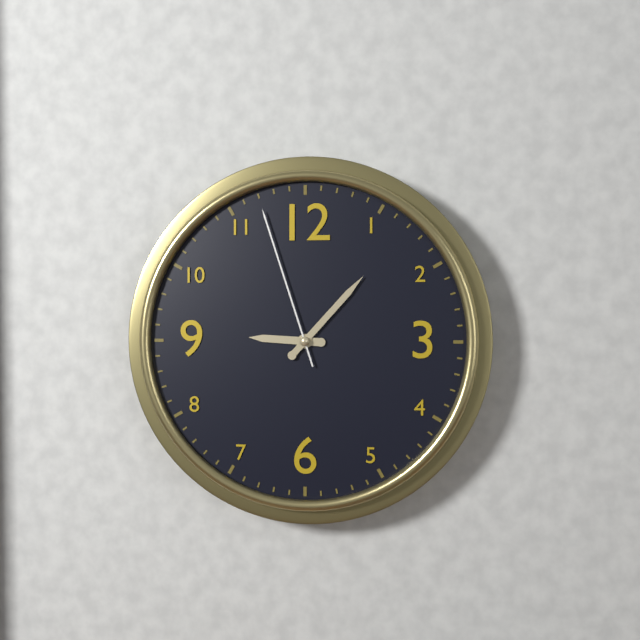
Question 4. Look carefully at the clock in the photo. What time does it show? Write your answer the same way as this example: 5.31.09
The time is 9.07.57
